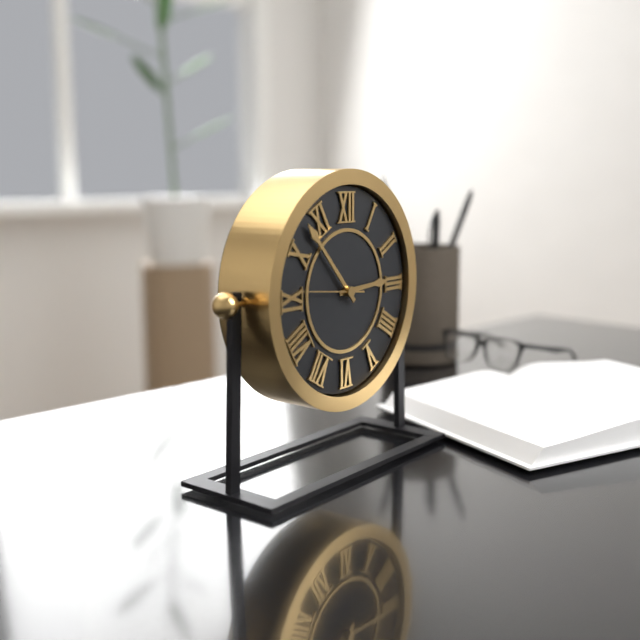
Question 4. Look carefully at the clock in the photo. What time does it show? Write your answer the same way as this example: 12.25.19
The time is 2.53.46
